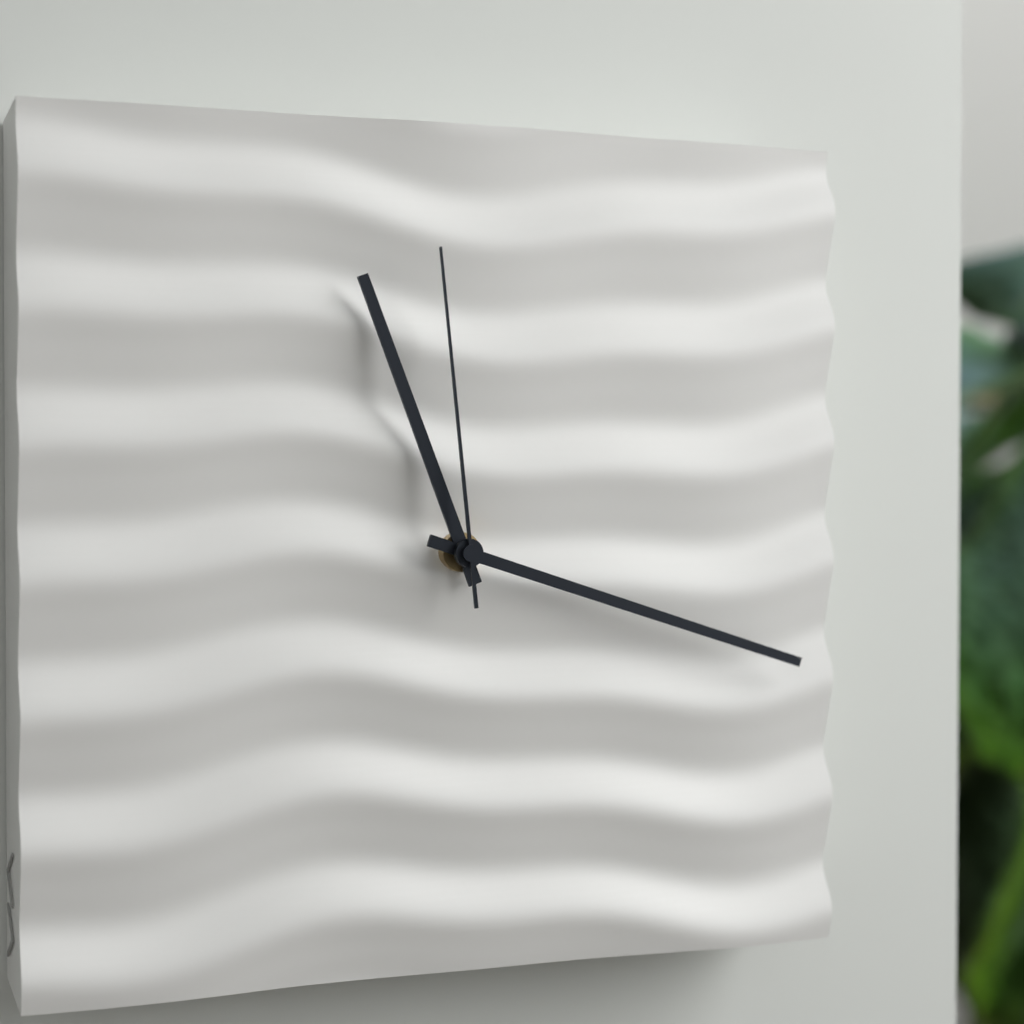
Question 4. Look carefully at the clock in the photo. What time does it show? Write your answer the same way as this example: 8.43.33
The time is 11.18.59
